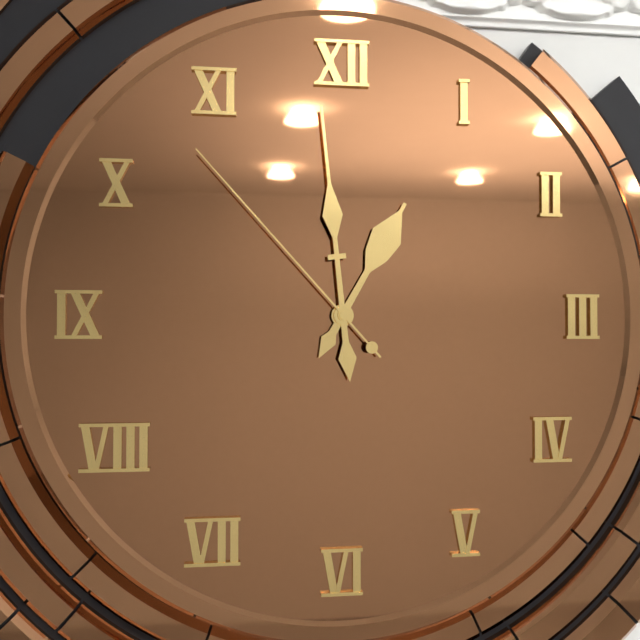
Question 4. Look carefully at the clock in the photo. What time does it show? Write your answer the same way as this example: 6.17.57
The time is 12.59.53
